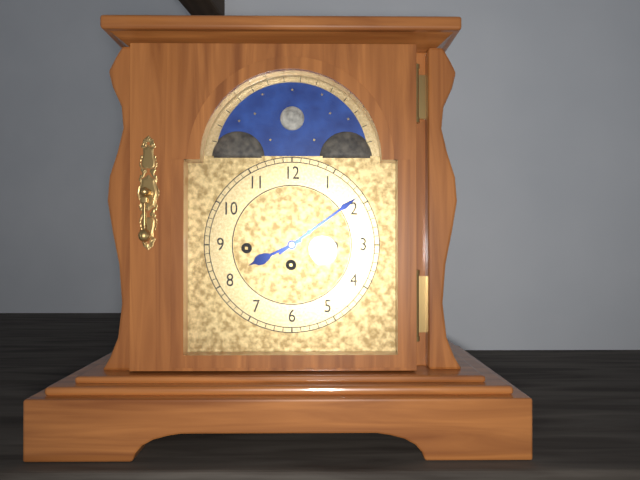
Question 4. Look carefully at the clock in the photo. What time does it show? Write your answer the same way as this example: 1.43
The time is 8.09
